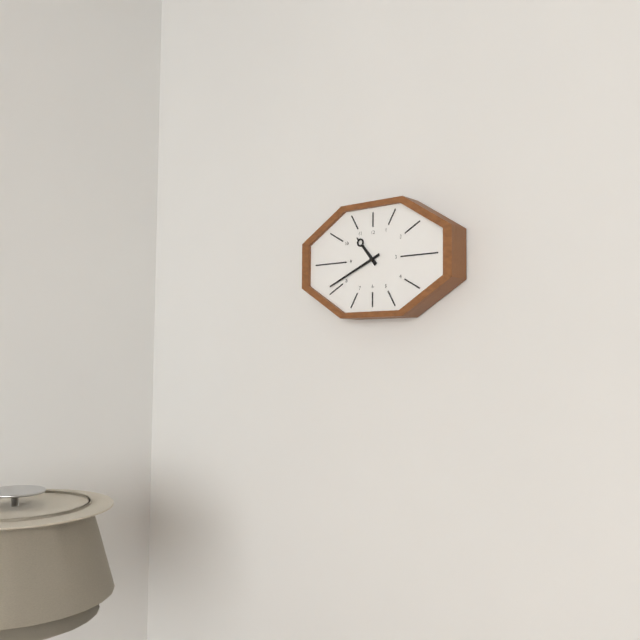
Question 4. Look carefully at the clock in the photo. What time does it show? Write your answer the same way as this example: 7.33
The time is 10.41
